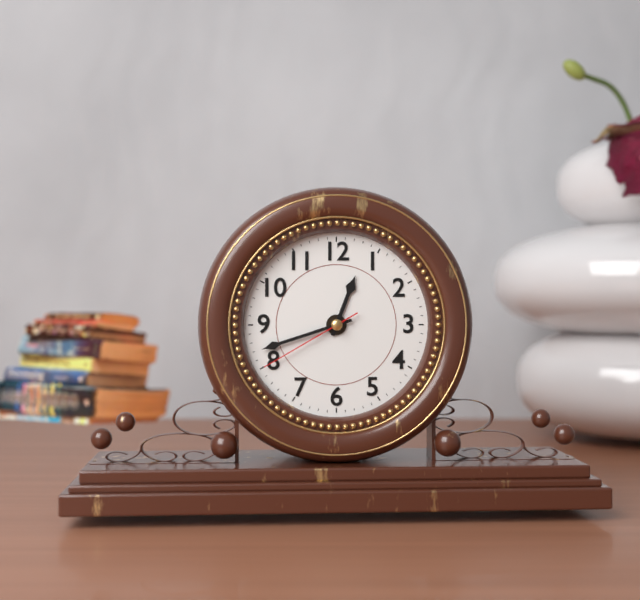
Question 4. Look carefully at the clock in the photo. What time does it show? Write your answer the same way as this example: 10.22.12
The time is 12.42.40
